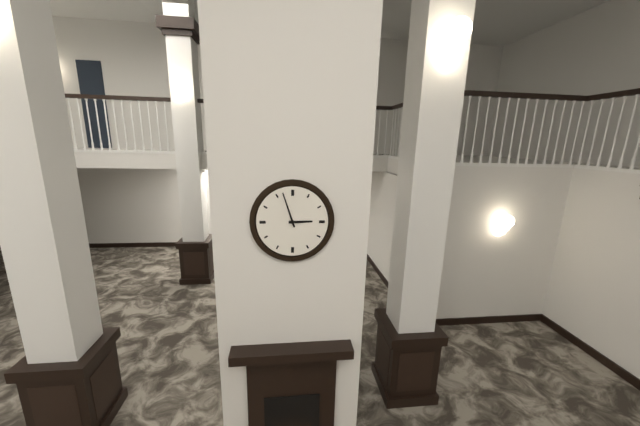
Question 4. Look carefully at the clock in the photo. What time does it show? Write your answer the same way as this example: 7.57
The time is 2.57
